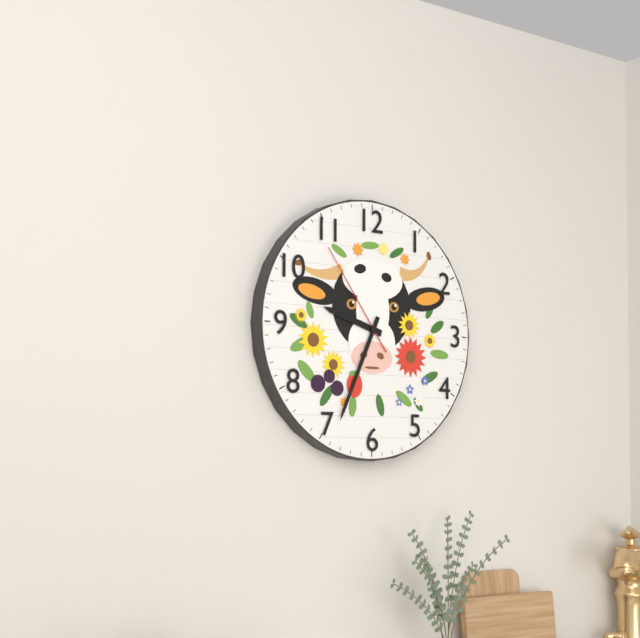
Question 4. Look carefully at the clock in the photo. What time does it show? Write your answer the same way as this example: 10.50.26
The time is 9.34.54
